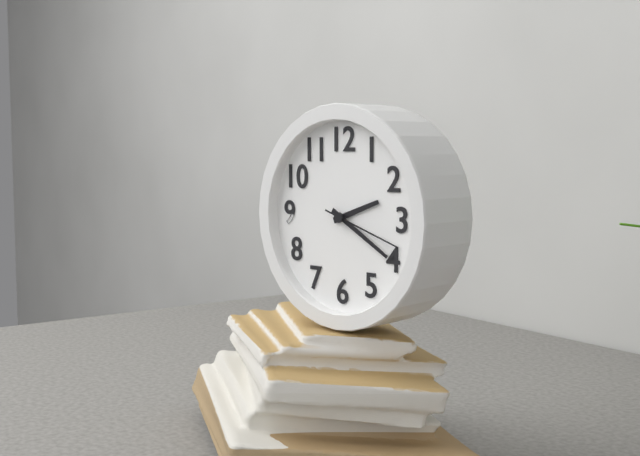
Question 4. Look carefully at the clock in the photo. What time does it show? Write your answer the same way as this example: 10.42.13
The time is 2.20.18
